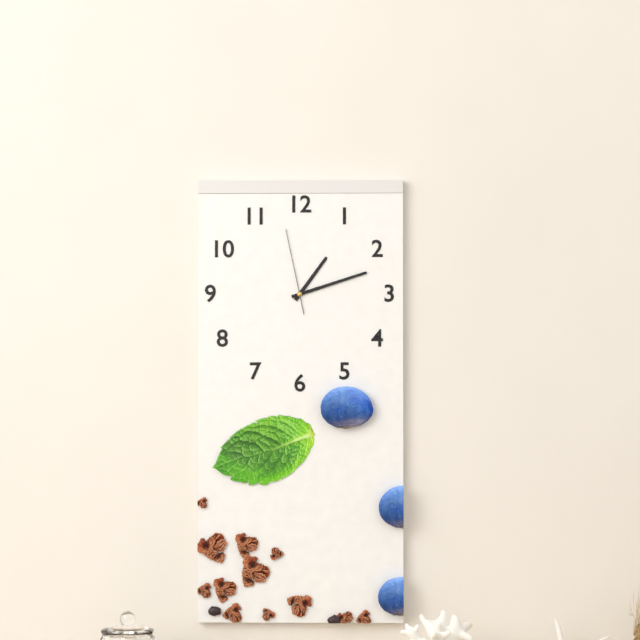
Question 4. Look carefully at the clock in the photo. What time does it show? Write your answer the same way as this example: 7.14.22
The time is 1.12.58
